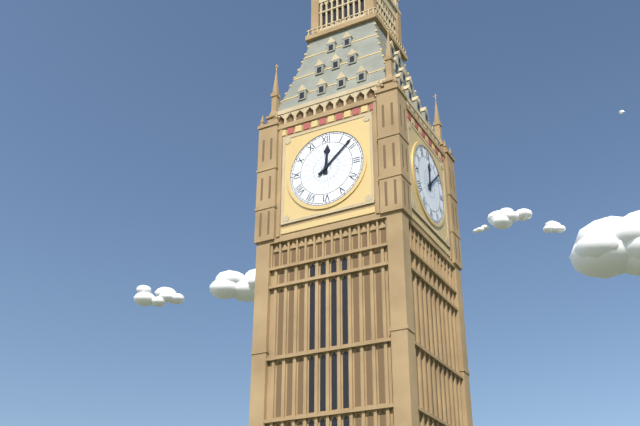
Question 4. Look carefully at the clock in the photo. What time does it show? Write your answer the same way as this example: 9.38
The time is 12.08
